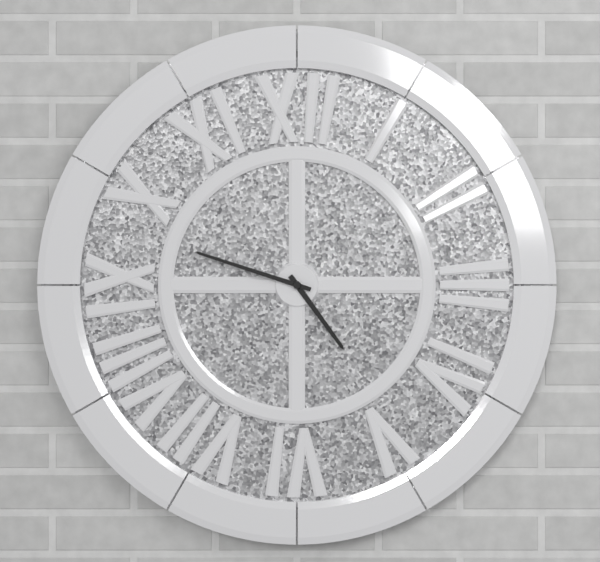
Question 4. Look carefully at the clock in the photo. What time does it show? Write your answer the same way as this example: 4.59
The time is 4.48
